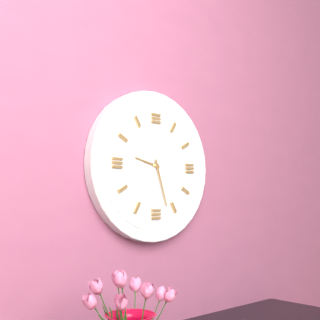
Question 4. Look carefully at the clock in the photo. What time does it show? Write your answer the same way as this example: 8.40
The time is 9.27
